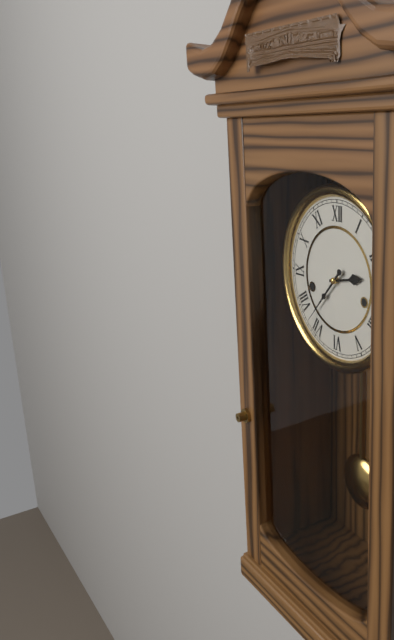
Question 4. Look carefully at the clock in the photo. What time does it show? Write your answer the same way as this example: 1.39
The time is 2.37
